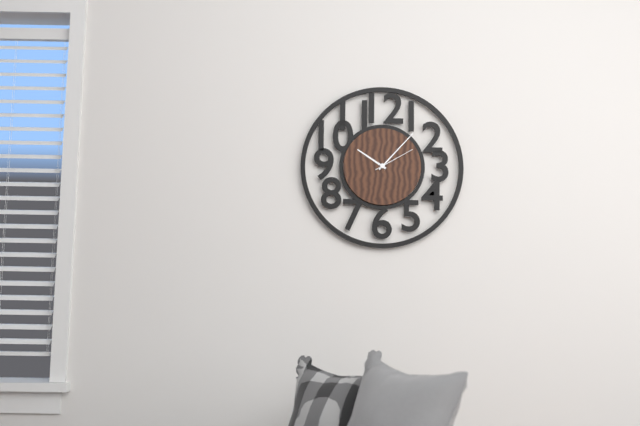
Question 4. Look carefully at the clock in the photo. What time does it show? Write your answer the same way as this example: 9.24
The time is 10.07
